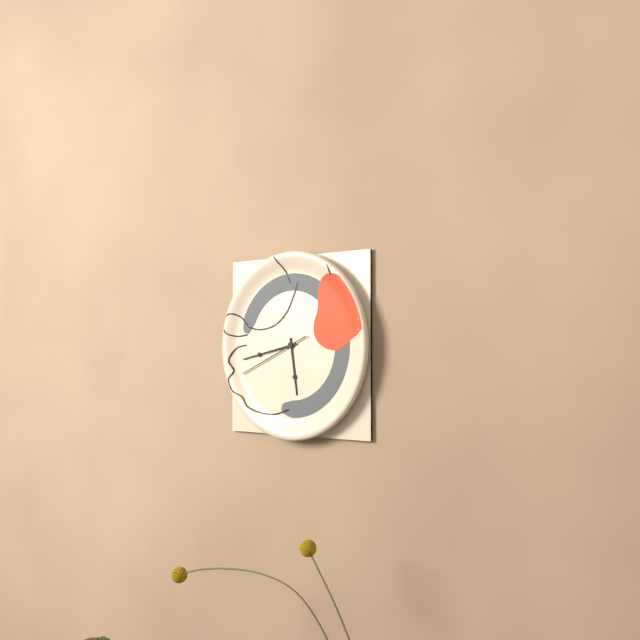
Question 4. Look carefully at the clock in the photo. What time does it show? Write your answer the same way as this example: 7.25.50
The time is 5.43.41
